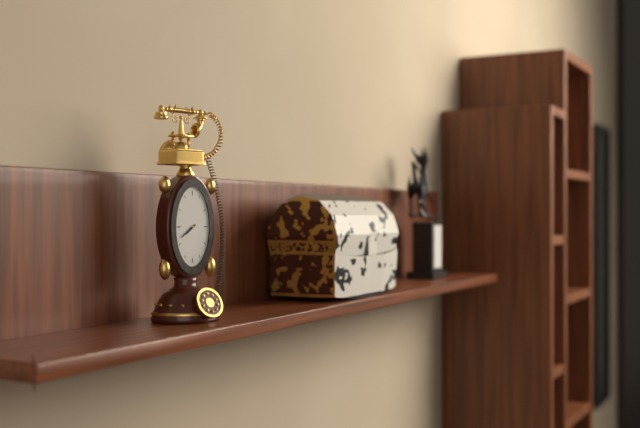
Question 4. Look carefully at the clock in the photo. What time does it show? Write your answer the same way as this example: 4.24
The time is 7.39
